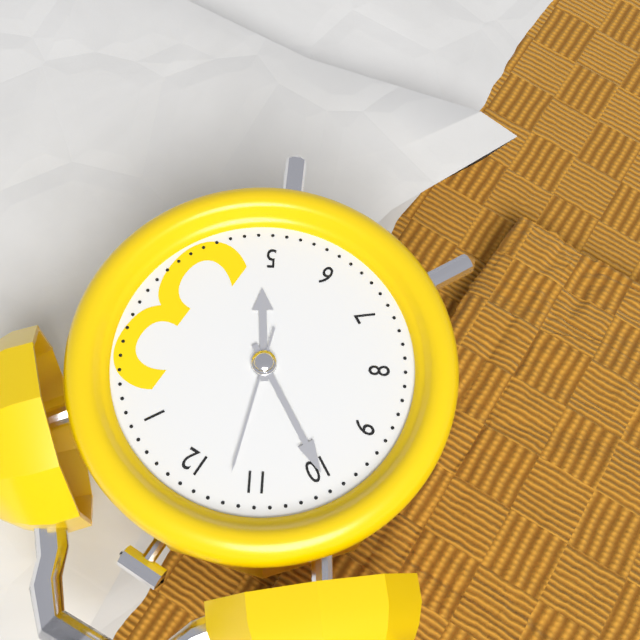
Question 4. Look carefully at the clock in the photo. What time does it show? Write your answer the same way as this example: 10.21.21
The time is 4.50.57
